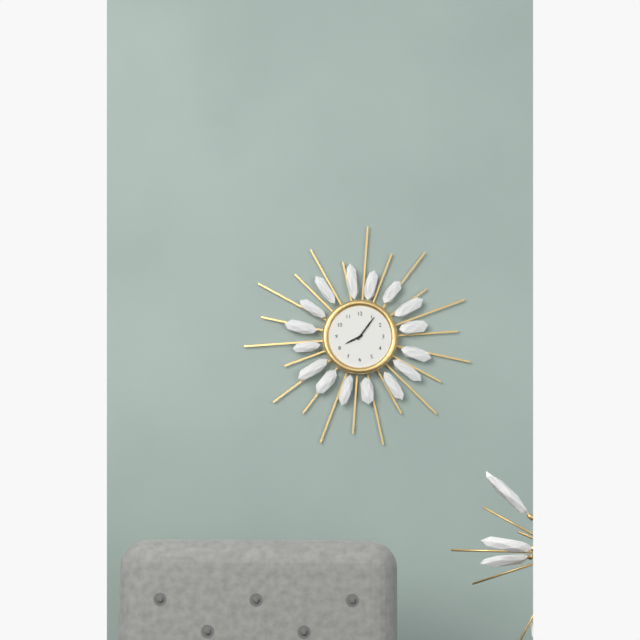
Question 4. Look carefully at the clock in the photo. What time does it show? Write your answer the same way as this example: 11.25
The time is 8.06
